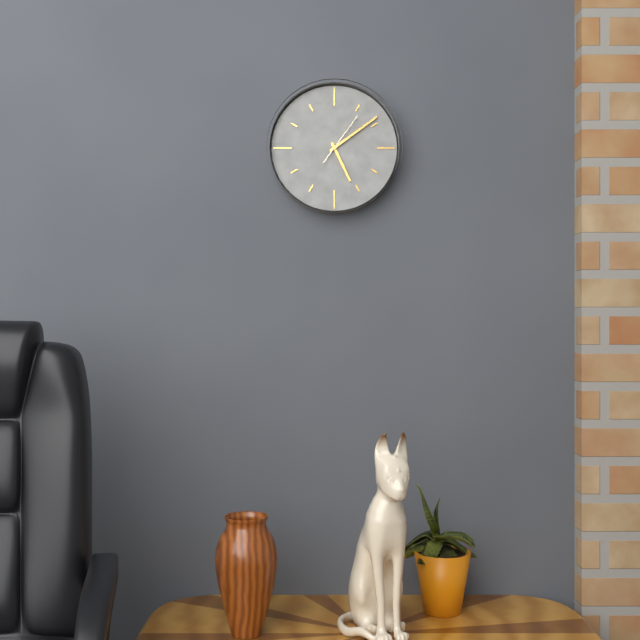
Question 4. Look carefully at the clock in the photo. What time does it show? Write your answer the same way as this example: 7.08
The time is 5.09
